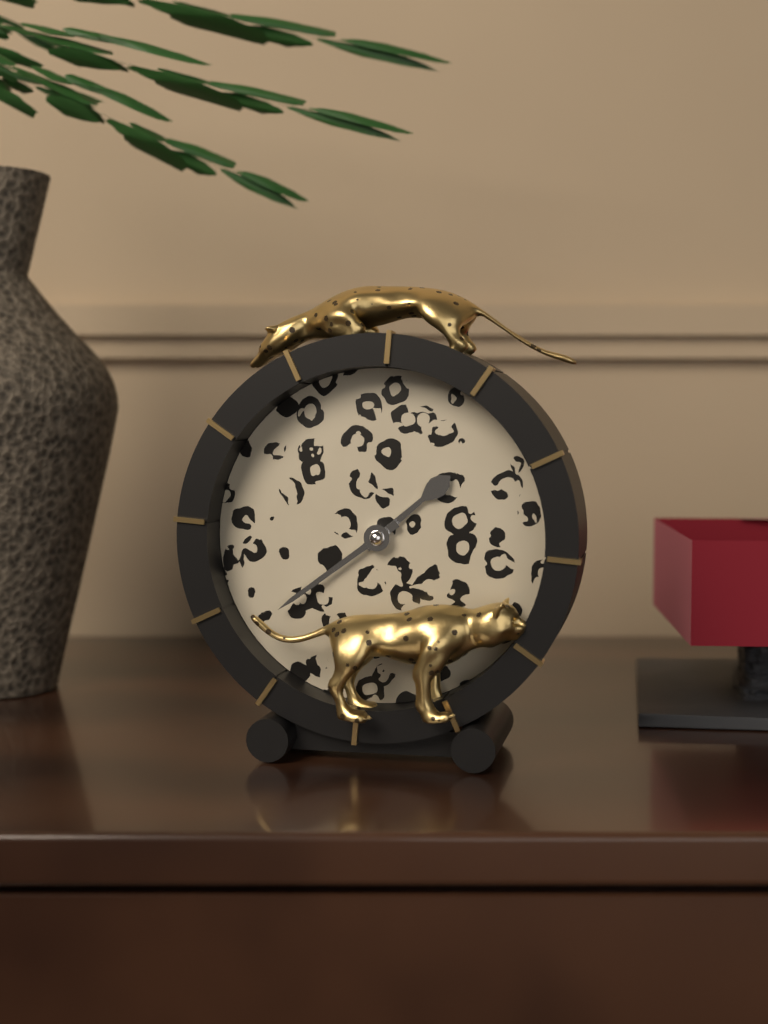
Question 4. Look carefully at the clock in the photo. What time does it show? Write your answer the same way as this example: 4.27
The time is 1.39
